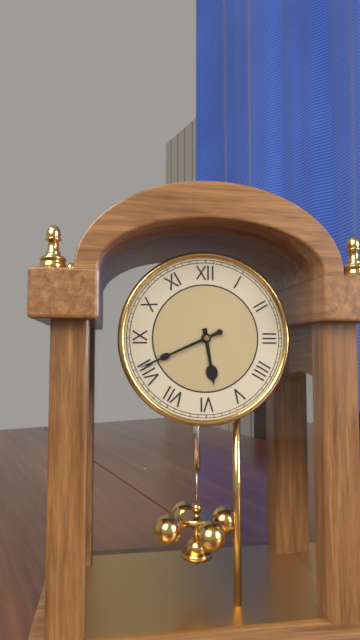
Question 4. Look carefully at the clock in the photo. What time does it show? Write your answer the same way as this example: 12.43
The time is 5.41
